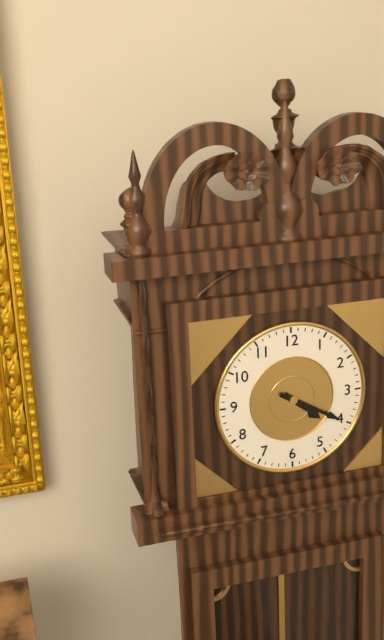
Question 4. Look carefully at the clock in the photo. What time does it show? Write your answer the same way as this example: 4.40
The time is 4.20
